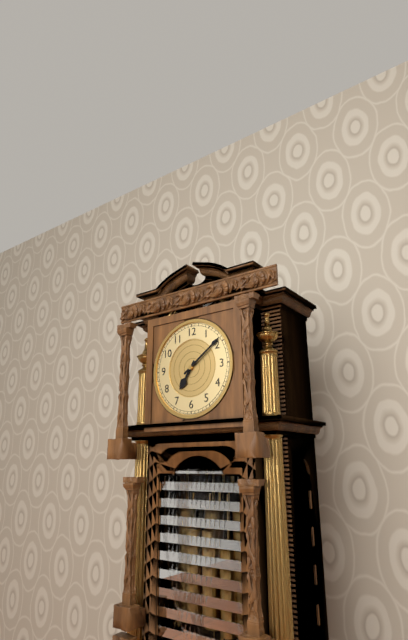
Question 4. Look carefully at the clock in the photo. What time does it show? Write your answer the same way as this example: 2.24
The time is 7.09
